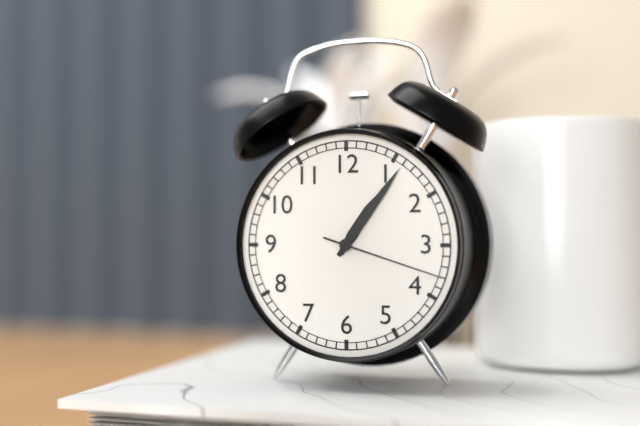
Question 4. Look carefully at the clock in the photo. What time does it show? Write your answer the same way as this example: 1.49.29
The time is 1.06.18
